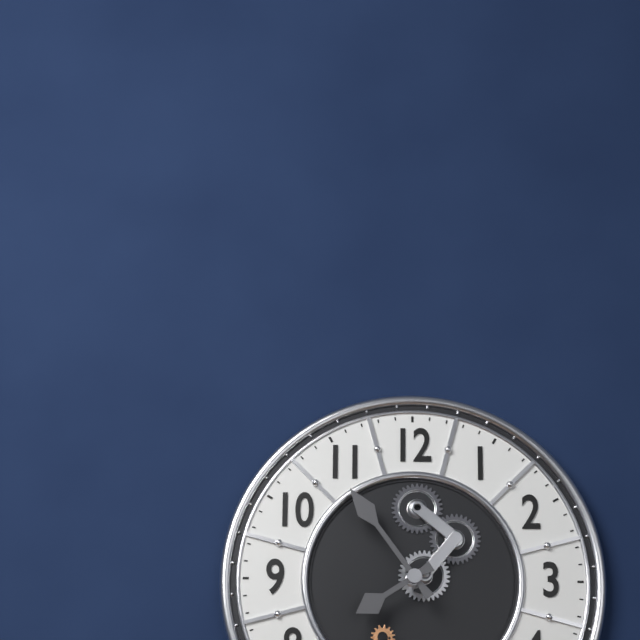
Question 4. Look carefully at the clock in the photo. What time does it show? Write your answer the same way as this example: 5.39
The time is 7.54
